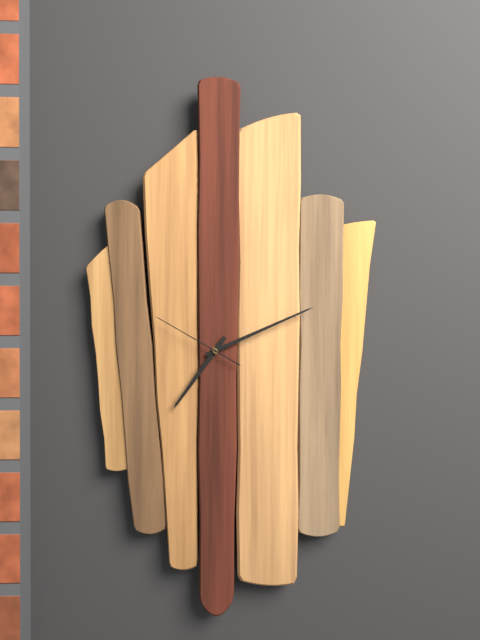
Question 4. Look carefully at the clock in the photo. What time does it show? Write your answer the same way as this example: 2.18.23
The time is 7.11.50
